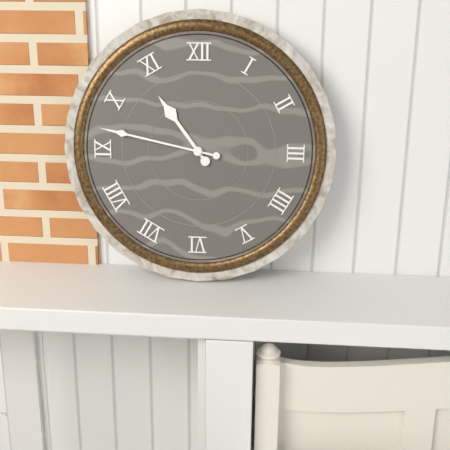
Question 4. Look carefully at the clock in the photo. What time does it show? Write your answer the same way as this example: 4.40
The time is 10.47
